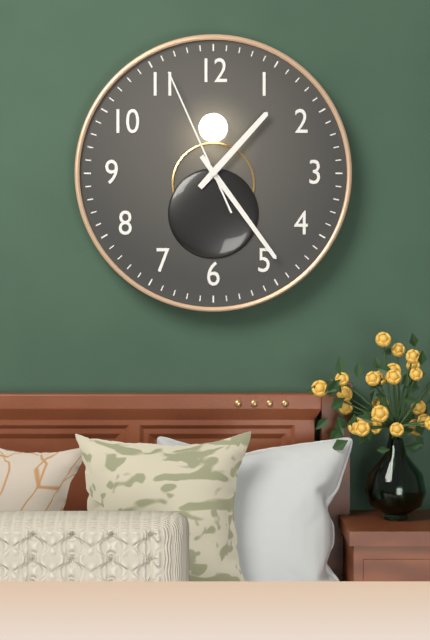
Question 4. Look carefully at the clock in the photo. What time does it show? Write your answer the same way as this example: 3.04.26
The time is 1.24.56
